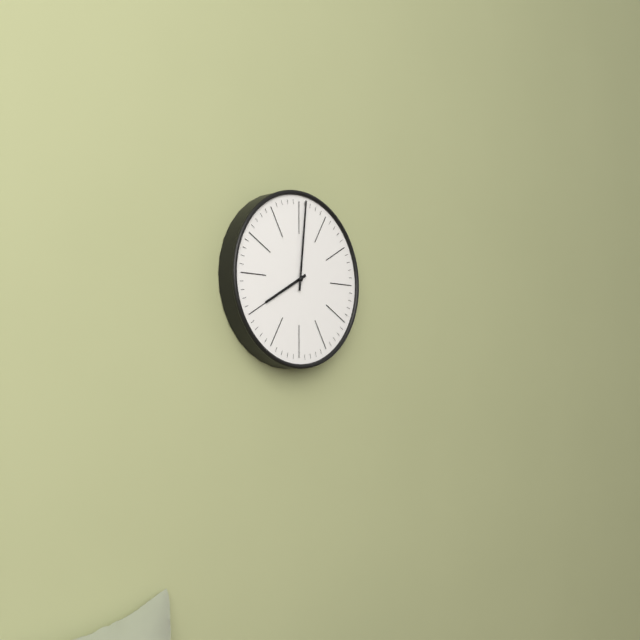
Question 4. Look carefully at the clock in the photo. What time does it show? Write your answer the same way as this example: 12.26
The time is 8.01
